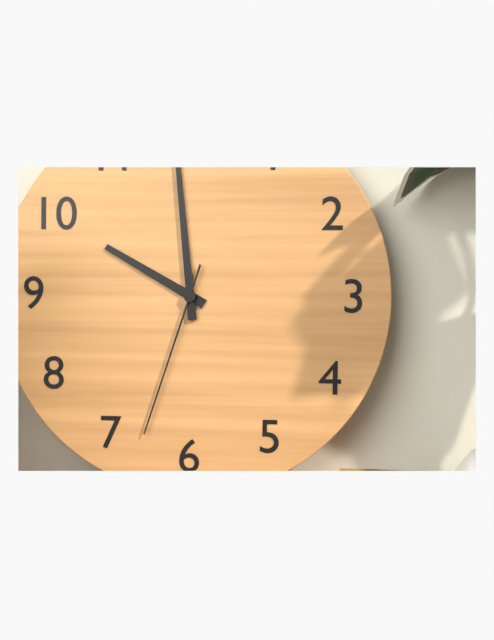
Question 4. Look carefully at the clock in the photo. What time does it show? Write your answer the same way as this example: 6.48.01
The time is 9.59.33
